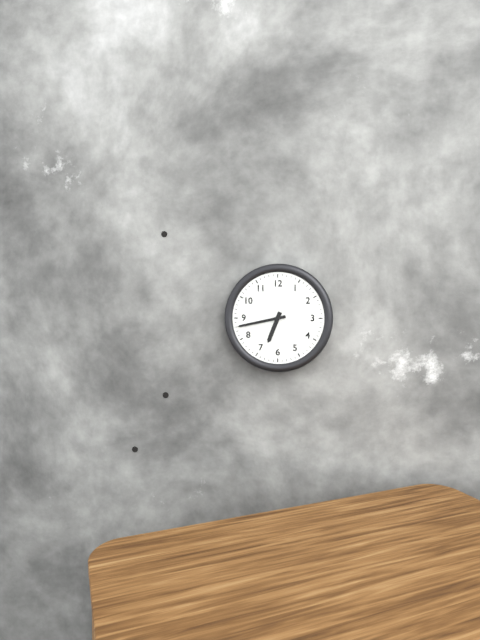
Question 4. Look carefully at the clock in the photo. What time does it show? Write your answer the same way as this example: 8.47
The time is 6.43
